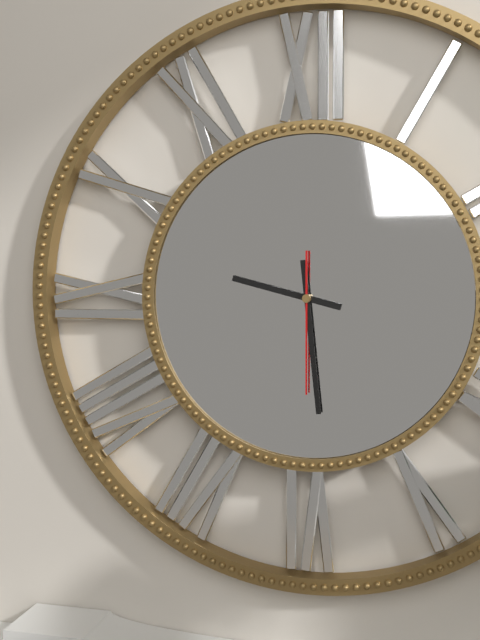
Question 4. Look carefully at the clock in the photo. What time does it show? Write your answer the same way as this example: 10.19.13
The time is 9.29.30
